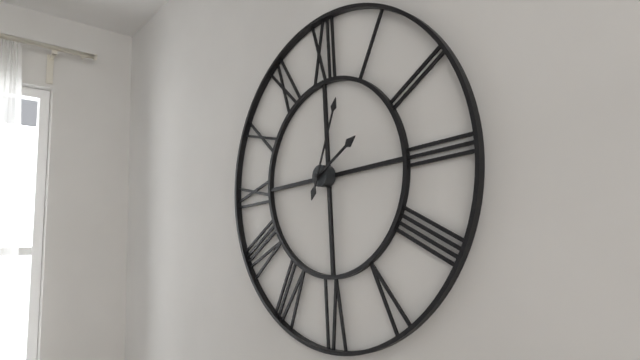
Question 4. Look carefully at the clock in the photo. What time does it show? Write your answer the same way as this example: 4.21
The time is 2.04
